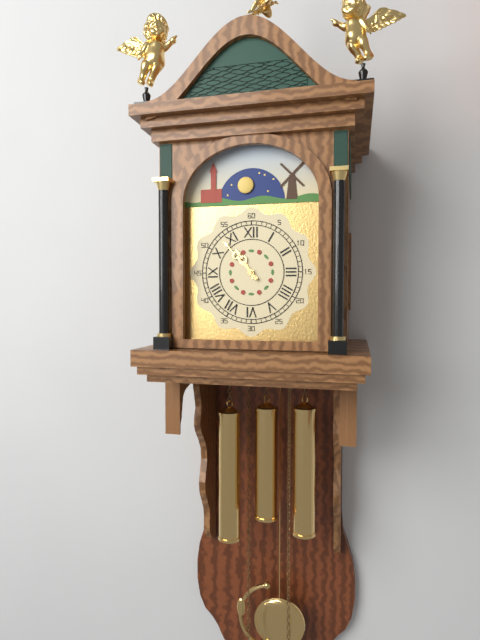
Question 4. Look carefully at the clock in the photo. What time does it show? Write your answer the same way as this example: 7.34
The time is 10.53
